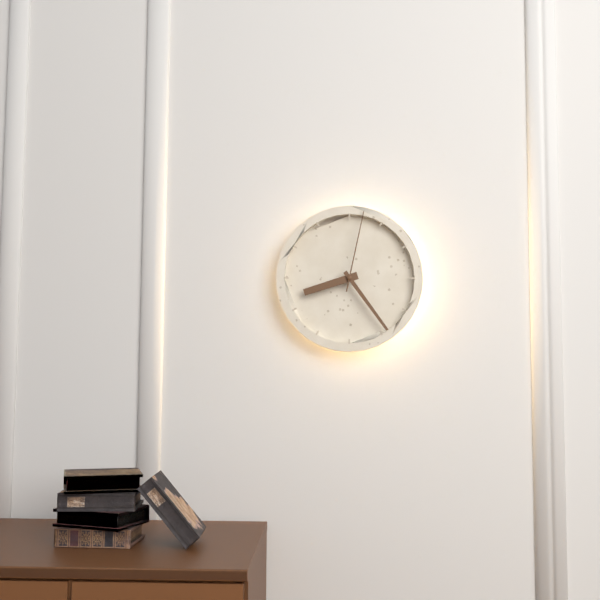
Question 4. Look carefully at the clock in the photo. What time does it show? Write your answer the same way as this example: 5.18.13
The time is 8.24.02
